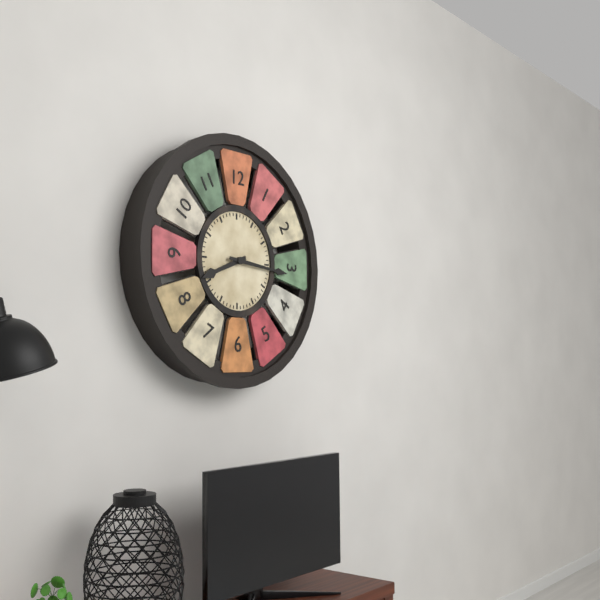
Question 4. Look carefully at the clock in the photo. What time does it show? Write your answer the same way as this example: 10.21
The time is 8.16
